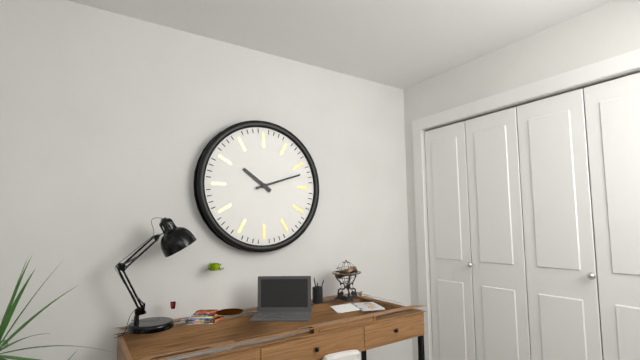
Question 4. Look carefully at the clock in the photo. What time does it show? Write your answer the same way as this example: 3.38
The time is 10.12
